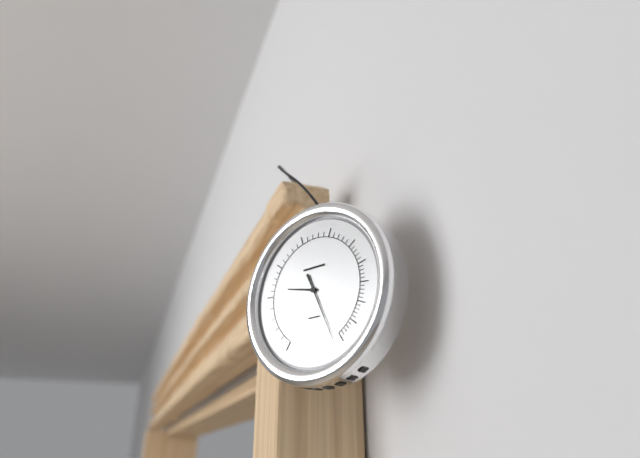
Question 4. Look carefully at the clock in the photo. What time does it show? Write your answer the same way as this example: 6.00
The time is 9.26
